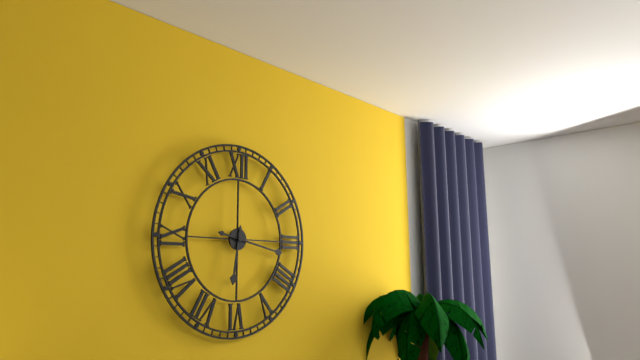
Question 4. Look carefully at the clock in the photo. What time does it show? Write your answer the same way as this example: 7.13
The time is 6.17
